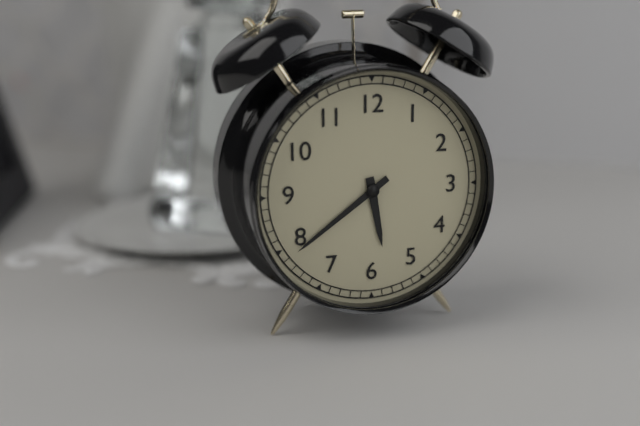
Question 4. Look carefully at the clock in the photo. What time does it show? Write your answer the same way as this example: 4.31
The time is 5.39
